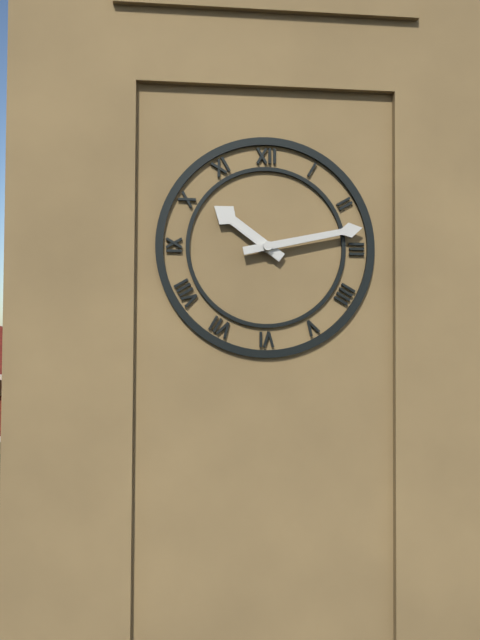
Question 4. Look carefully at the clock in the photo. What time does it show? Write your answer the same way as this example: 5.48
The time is 10.13
